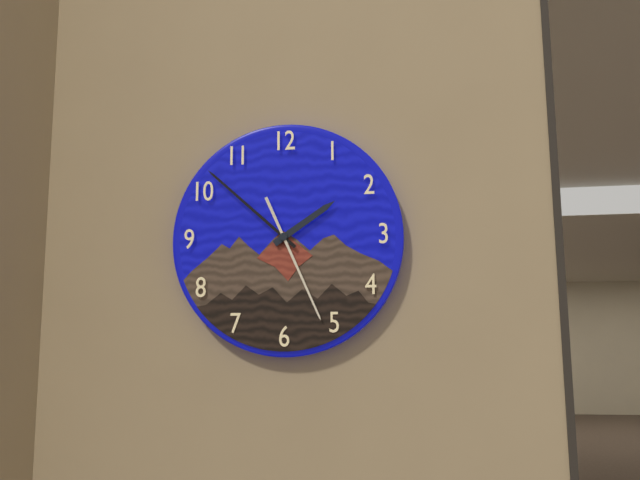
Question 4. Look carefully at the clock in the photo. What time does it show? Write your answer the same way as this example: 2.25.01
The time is 1.52.26
